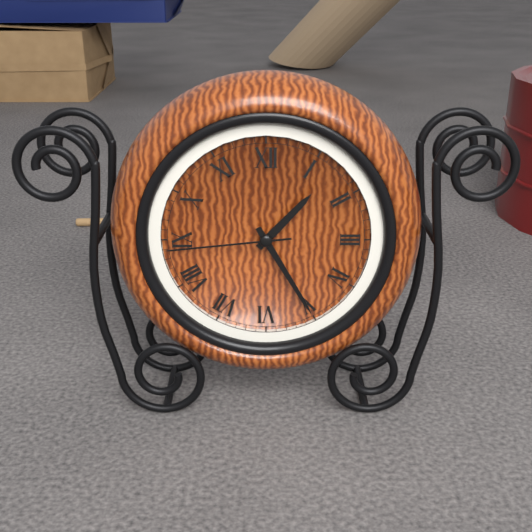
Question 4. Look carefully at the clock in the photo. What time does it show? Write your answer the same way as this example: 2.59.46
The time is 1.25.44
